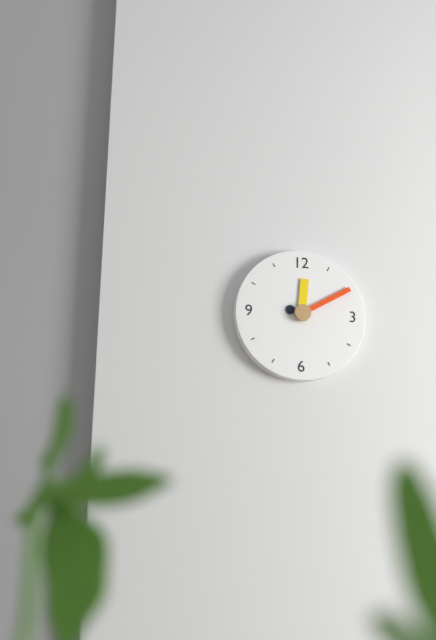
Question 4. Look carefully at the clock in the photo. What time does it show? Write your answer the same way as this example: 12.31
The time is 12.10
